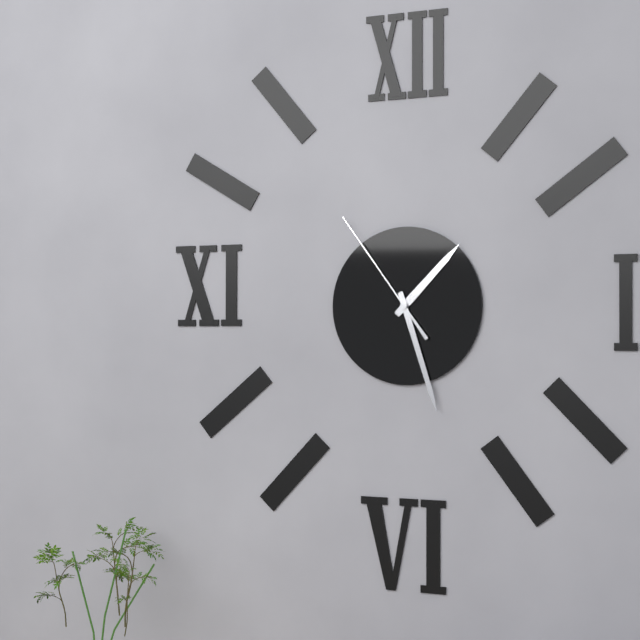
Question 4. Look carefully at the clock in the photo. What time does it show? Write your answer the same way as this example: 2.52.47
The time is 1.27.54
